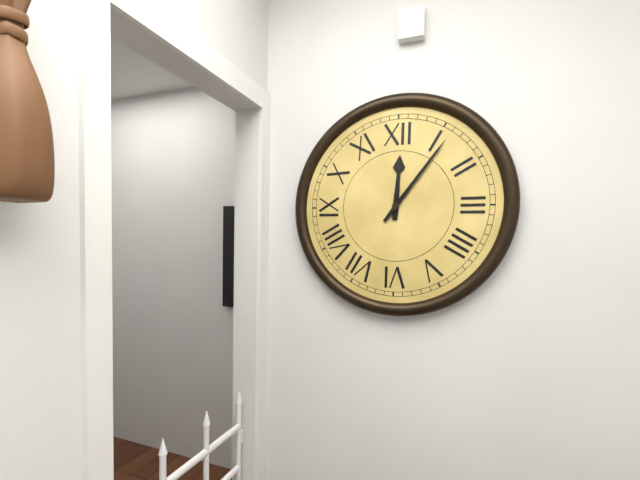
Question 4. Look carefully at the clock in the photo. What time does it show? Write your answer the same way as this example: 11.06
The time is 12.06
